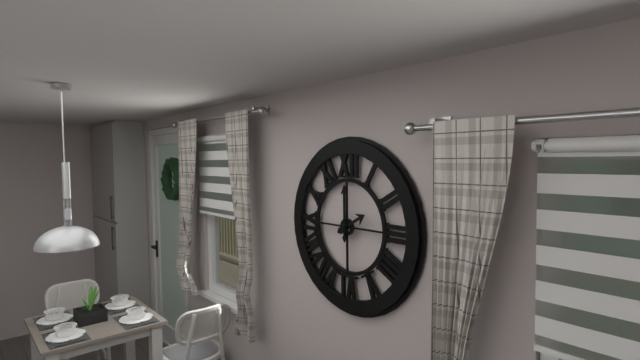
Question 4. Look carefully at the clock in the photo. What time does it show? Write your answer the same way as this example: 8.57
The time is 2.00
